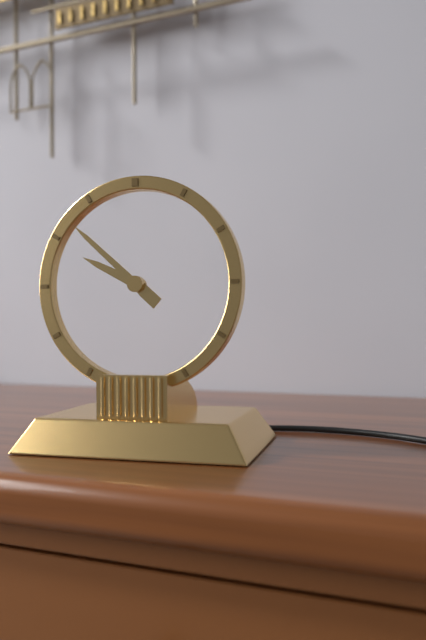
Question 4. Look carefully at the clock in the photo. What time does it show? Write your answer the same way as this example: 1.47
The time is 9.52
